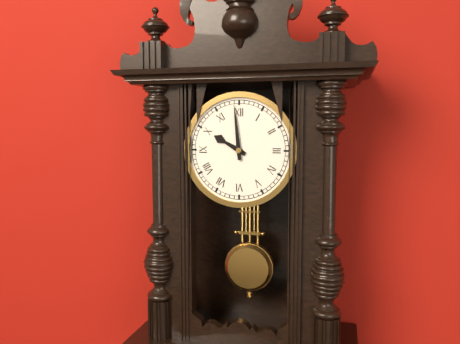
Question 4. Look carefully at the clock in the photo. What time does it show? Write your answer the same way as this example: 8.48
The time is 9.59
